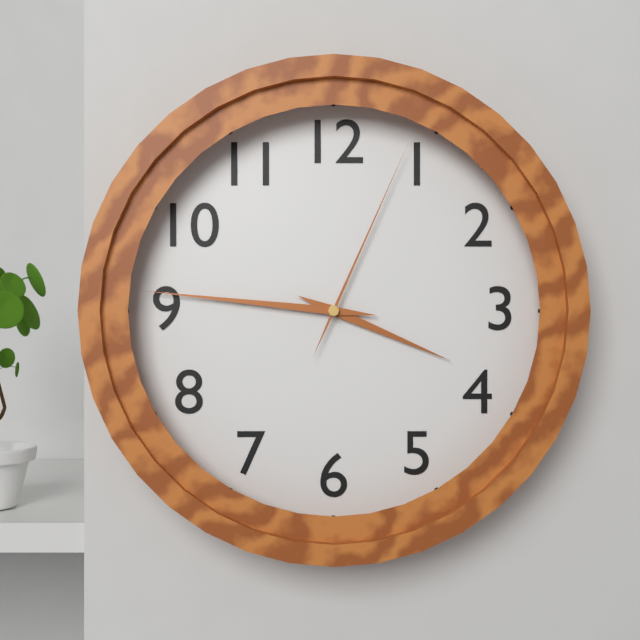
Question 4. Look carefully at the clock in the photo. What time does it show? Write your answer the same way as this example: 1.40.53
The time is 3.46.04
